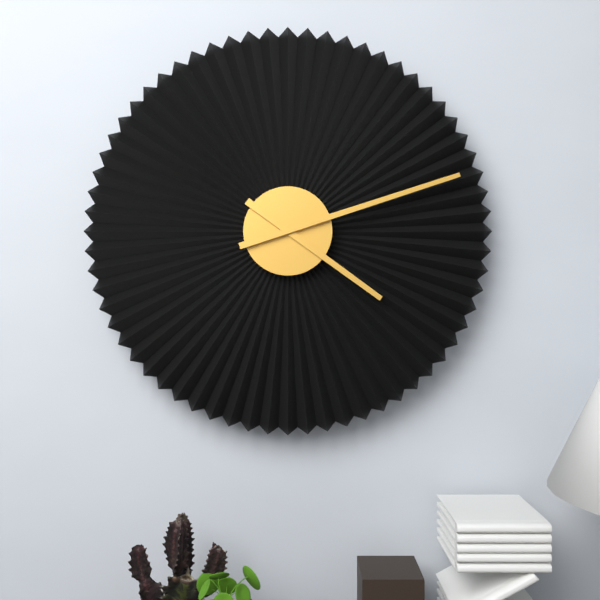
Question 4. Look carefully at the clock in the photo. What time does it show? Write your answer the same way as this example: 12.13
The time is 4.12
